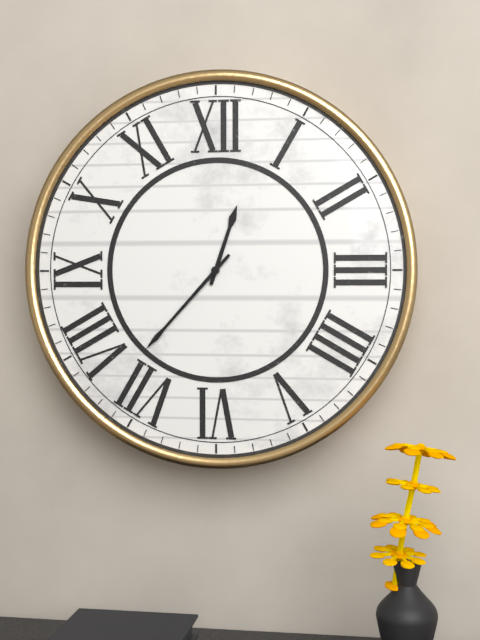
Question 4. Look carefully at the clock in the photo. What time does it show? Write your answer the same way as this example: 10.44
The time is 12.37
